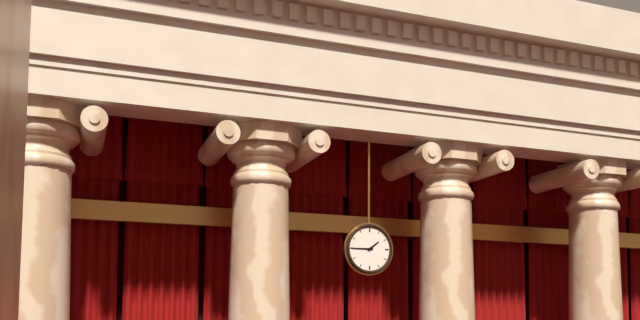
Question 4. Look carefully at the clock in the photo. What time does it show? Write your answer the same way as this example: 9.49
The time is 1.45
